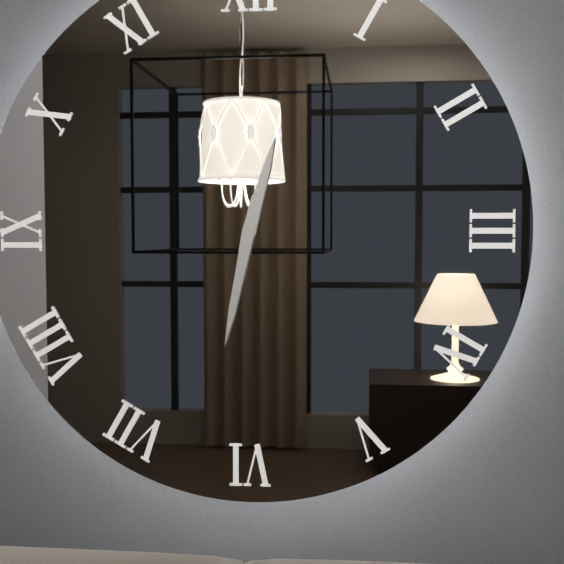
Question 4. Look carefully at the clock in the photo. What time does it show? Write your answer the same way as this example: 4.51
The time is 12.32
